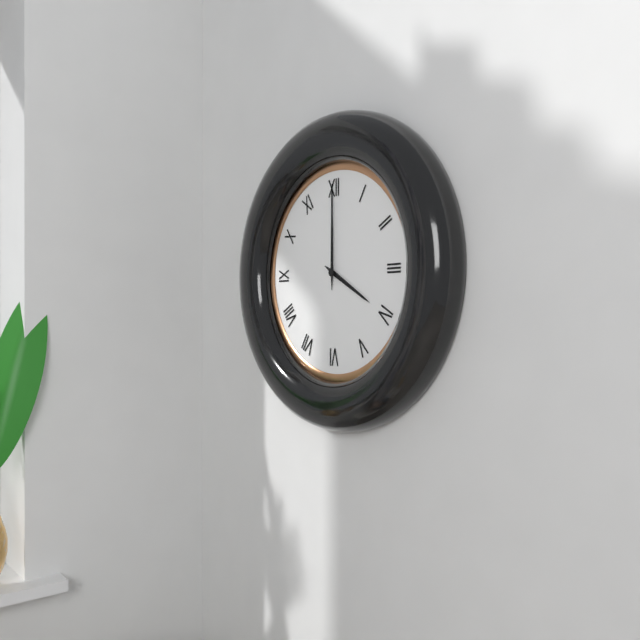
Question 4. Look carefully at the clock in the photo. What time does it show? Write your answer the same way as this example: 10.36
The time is 4.00
